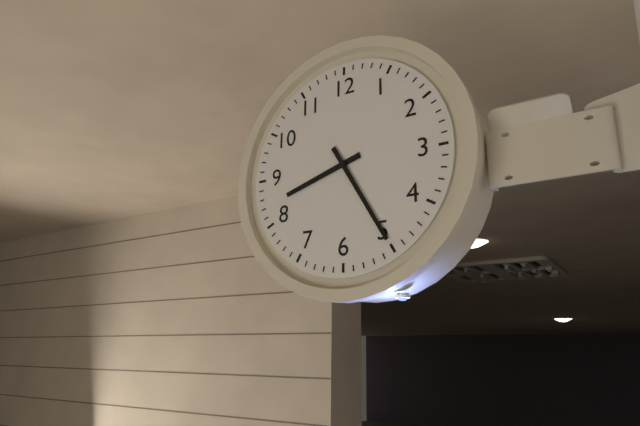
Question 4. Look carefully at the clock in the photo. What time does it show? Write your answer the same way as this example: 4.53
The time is 8.25
